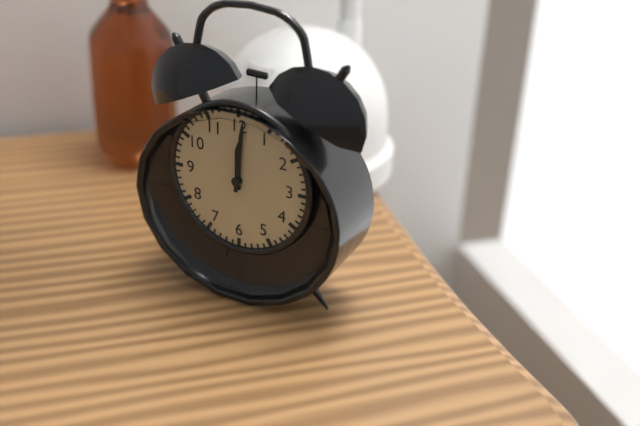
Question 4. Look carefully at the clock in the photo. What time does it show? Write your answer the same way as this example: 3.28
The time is 12.01
